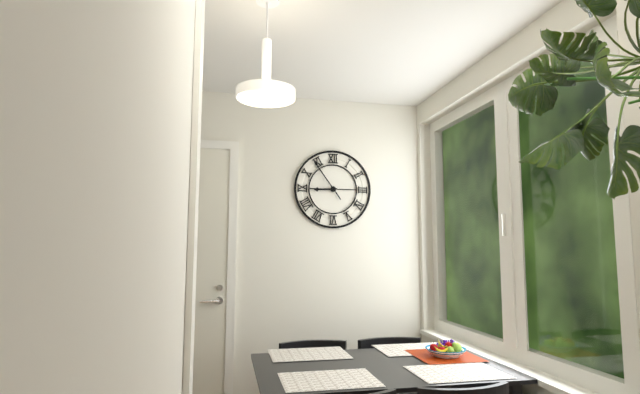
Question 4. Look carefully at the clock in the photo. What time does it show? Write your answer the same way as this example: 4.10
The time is 8.54
